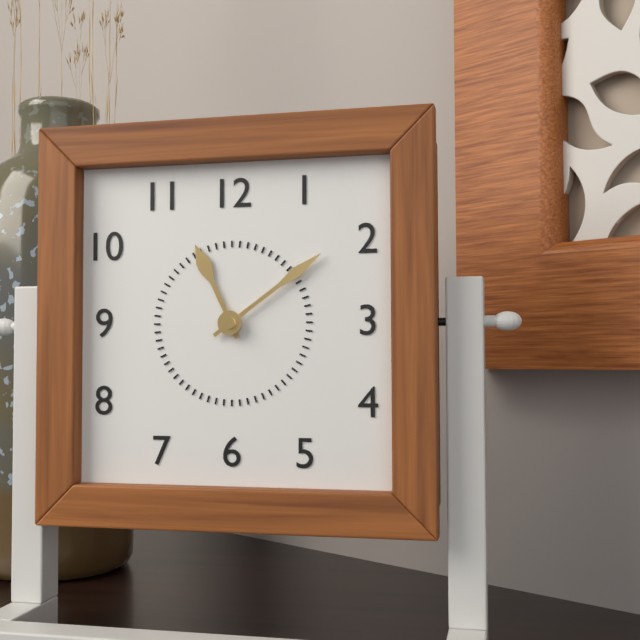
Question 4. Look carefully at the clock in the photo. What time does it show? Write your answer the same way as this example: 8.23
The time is 11.09
